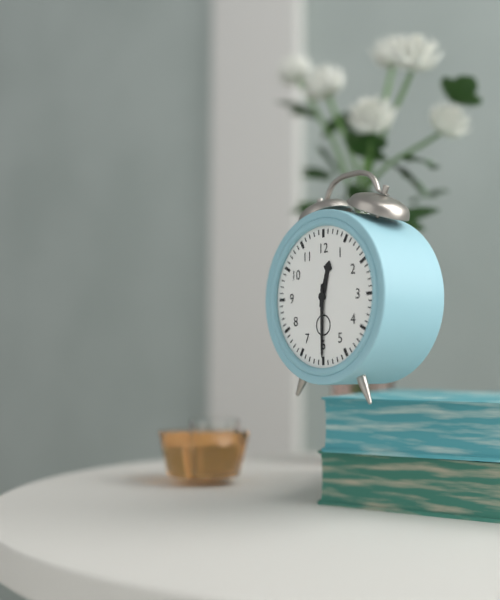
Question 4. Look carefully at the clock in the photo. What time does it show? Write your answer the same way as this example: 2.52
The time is 12.30
